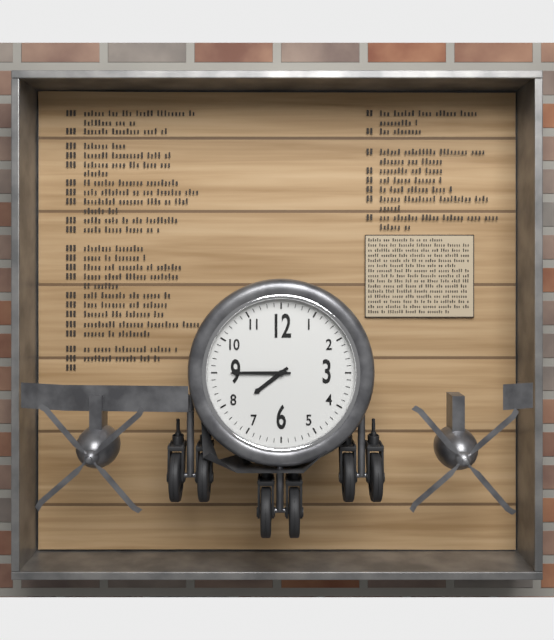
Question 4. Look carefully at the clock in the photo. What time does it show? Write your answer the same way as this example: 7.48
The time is 7.45
